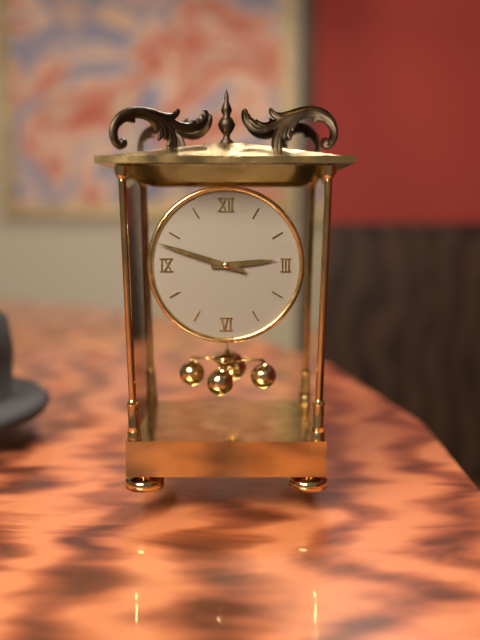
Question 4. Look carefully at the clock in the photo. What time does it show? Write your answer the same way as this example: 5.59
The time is 2.48
